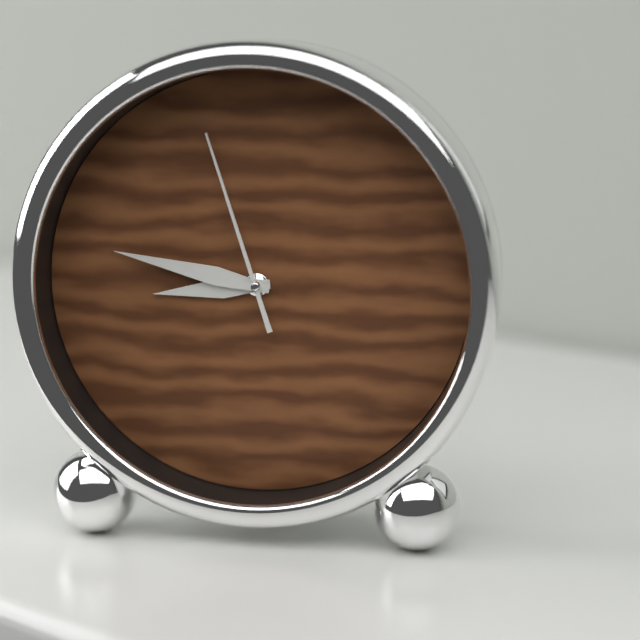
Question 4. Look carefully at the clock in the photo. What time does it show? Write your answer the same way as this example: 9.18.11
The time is 8.47.57
